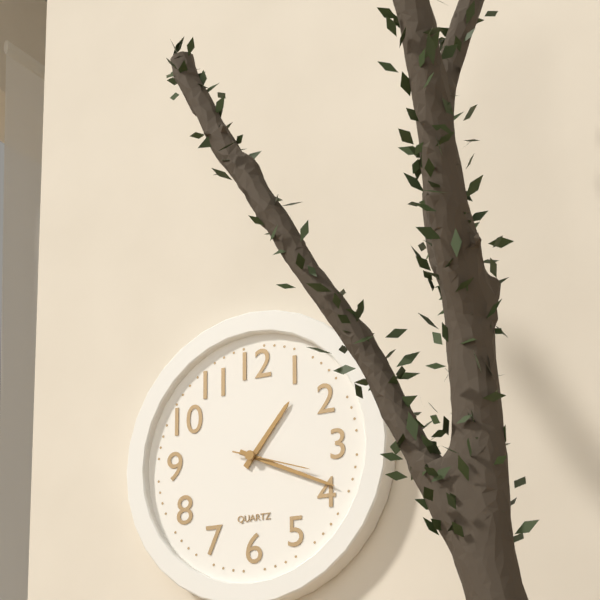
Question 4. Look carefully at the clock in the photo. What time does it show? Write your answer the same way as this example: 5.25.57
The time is 1.19.18
